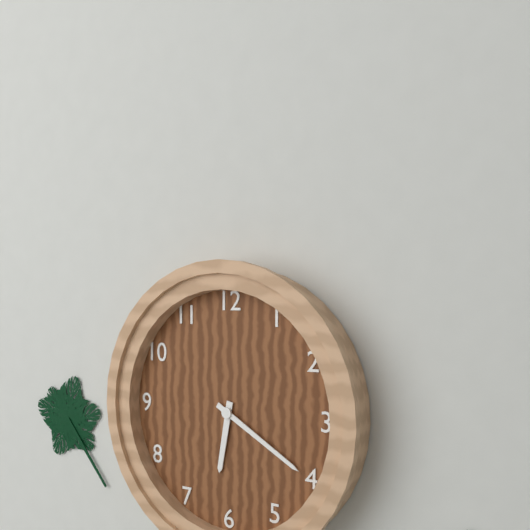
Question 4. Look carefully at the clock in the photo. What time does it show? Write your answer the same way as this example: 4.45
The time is 6.20
